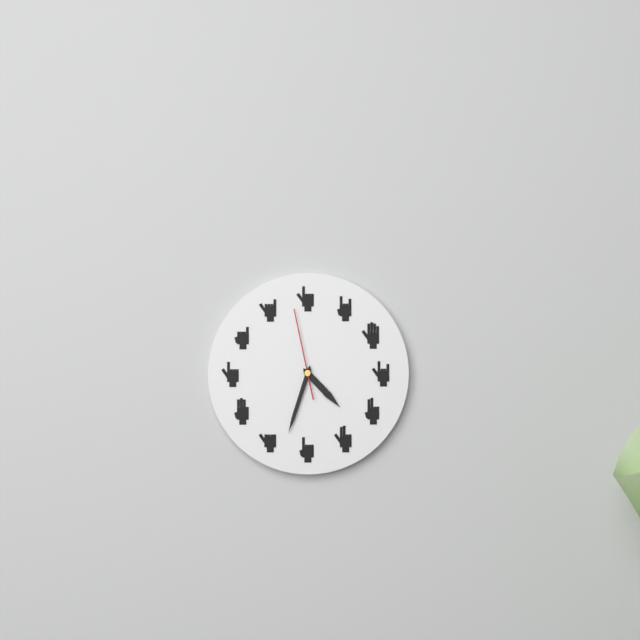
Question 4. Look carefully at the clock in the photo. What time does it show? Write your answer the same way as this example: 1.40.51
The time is 4.33.58
